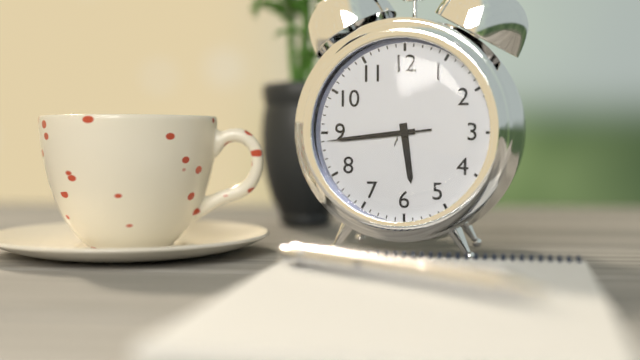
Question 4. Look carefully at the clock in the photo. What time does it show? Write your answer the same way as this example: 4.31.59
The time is 5.44.44
